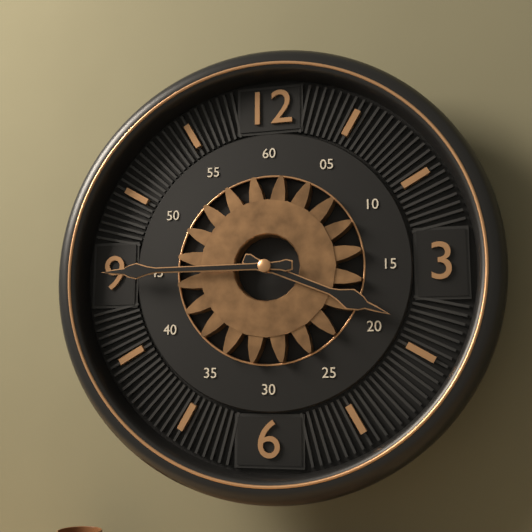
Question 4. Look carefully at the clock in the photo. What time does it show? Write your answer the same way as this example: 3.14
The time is 3.45
